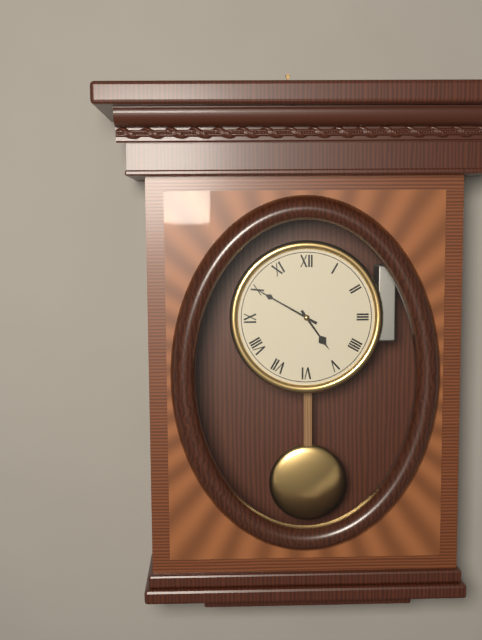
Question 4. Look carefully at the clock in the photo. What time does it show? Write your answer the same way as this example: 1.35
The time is 4.50
